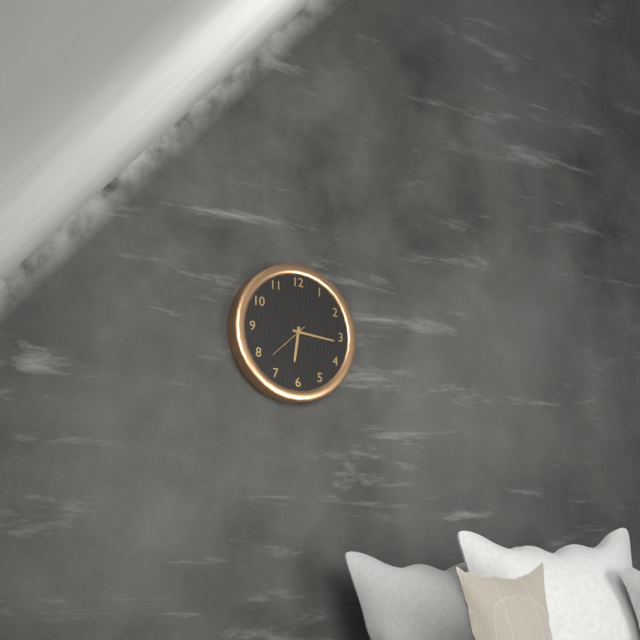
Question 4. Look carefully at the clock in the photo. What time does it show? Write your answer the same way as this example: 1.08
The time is 6.16
